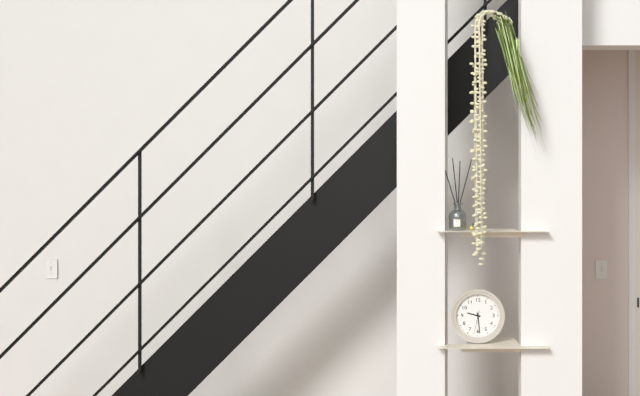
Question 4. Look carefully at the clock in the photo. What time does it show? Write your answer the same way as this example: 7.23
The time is 9.29
